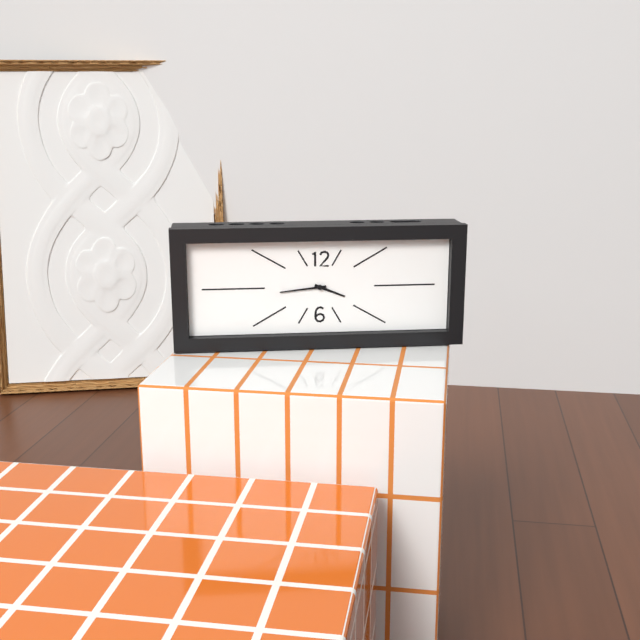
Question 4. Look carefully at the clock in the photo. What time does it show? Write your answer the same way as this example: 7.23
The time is 3.44
